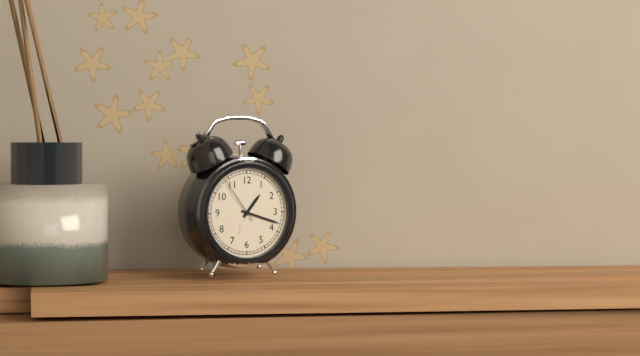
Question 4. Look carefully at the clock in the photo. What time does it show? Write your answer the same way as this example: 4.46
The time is 1.18
